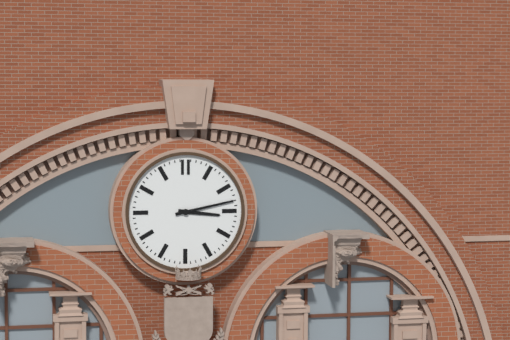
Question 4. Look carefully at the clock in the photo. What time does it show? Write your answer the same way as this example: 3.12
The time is 3.13
